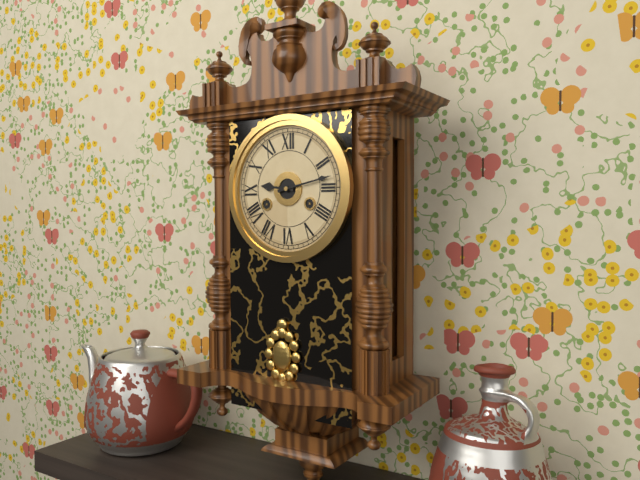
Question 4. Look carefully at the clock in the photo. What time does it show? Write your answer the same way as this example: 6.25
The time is 9.13
